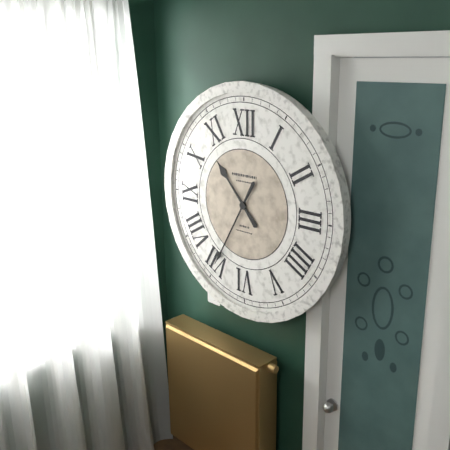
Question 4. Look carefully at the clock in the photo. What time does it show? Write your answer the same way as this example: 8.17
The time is 10.35
